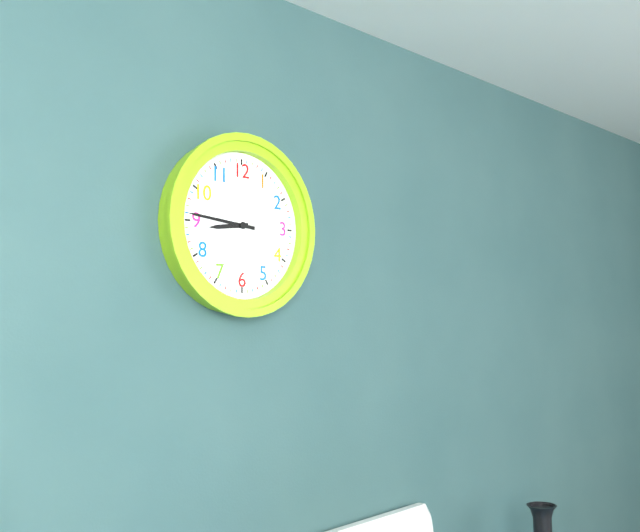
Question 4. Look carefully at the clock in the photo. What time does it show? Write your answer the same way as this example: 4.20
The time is 8.46
